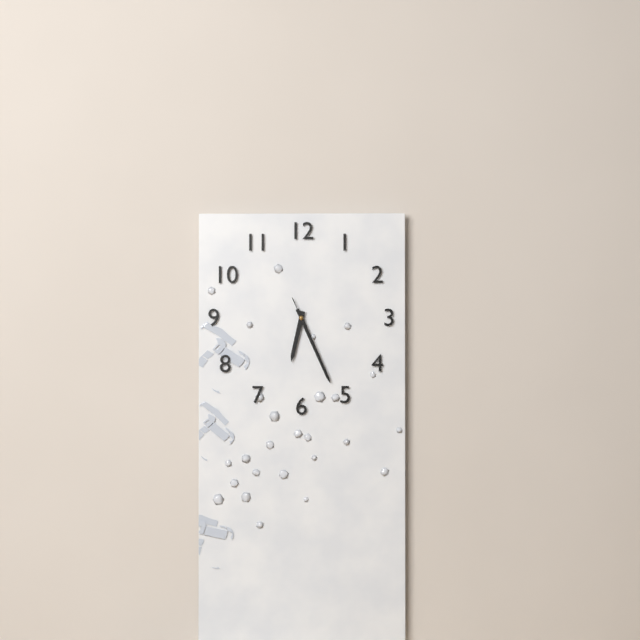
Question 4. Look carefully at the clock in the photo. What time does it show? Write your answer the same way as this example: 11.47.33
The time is 6.26.26
